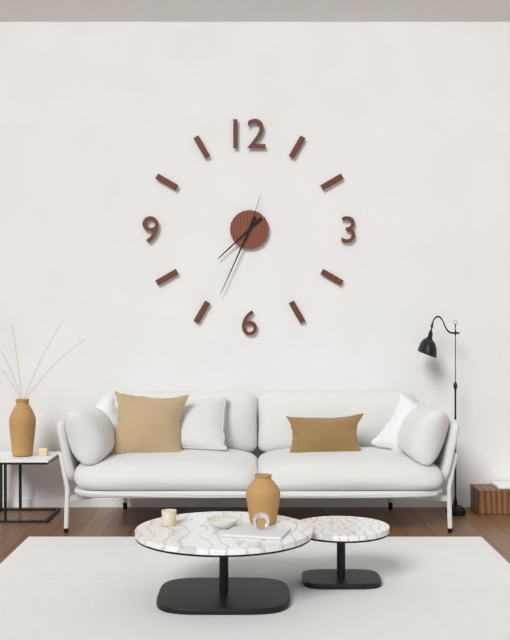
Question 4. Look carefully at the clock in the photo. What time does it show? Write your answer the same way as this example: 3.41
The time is 7.34
